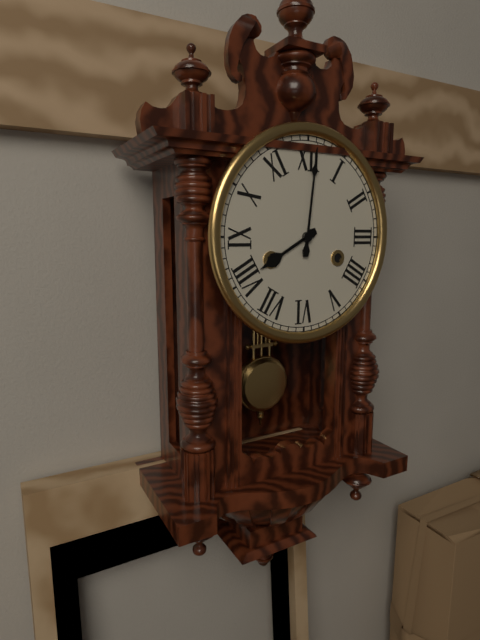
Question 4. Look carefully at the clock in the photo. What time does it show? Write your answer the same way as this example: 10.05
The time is 8.01
